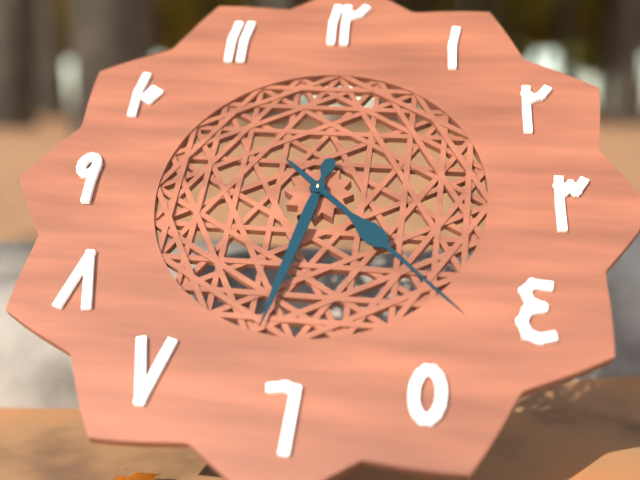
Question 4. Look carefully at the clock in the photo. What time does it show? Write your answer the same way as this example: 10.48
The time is 6.22
